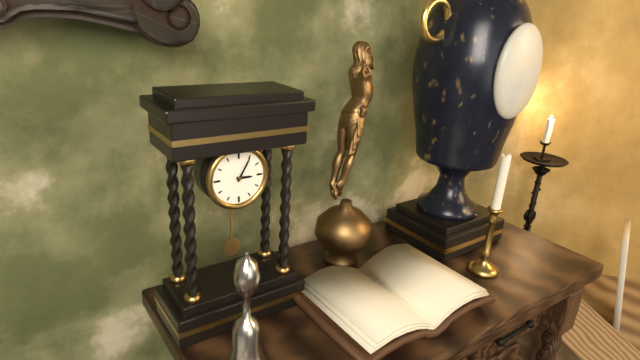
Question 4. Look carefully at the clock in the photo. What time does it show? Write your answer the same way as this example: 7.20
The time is 3.05
